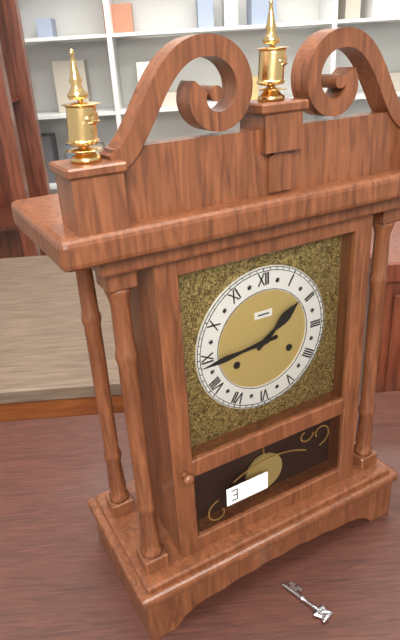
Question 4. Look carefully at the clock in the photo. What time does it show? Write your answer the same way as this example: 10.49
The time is 1.44
